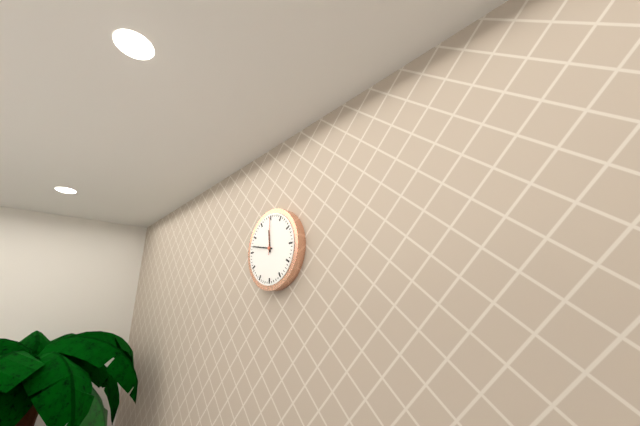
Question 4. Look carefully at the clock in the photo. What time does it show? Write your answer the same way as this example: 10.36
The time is 11.47
